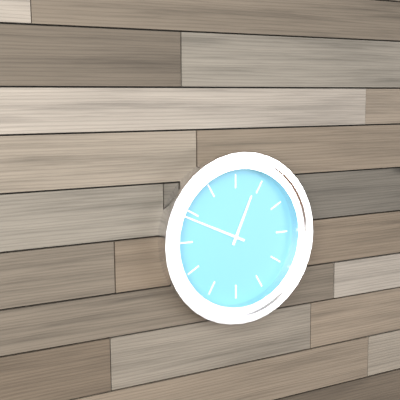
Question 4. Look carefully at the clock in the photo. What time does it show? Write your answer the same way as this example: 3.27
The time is 12.49
